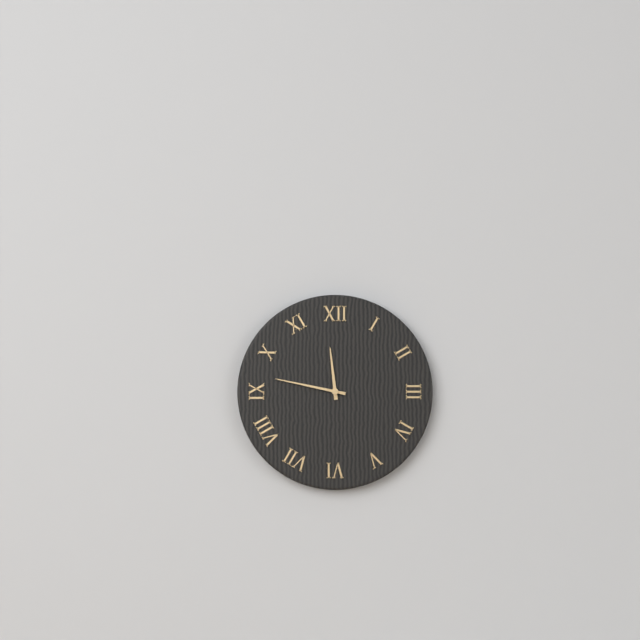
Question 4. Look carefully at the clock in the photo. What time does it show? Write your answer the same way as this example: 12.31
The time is 11.47
